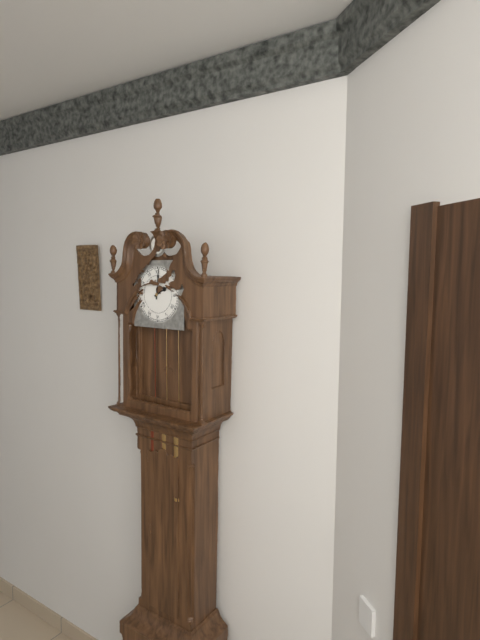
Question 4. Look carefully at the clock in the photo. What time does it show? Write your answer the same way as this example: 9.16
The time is 2.01
